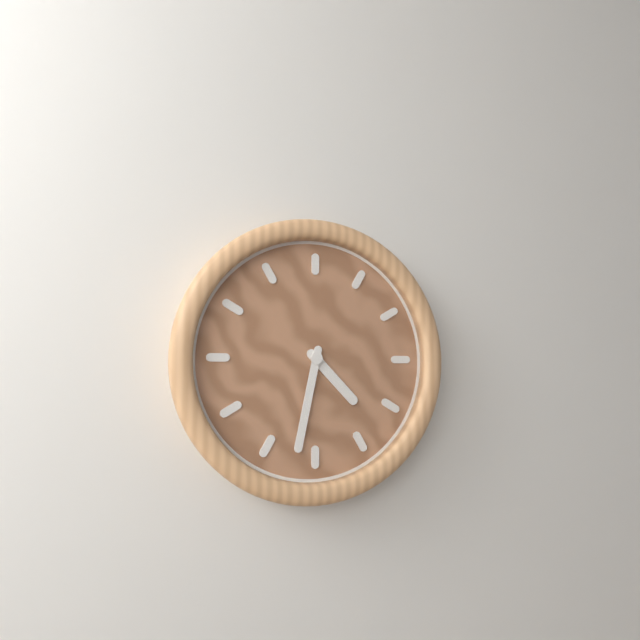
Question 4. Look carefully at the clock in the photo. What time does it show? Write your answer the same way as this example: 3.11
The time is 4.32
